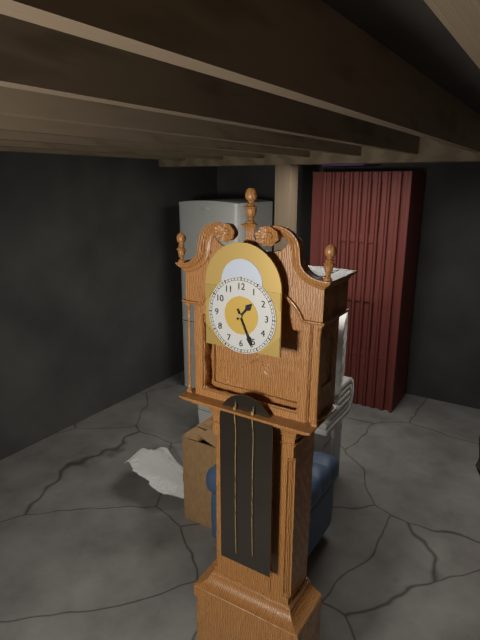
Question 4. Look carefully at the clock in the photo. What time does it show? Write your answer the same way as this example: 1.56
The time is 1.26
